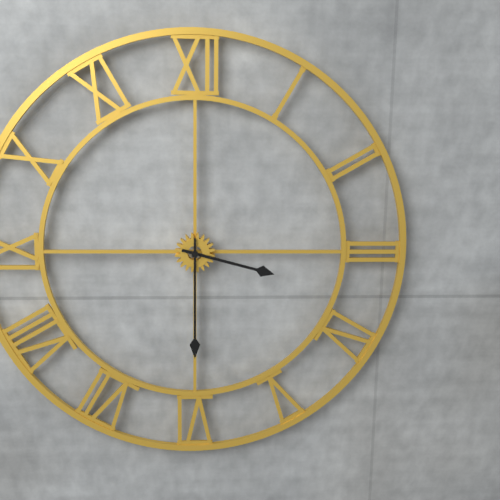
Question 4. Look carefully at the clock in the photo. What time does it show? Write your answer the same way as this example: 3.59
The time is 3.30
